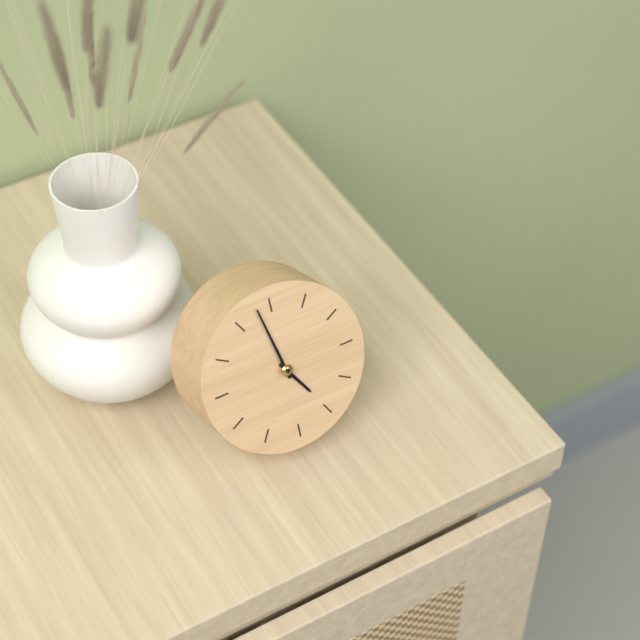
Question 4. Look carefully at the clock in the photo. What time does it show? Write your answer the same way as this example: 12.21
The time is 4.58
